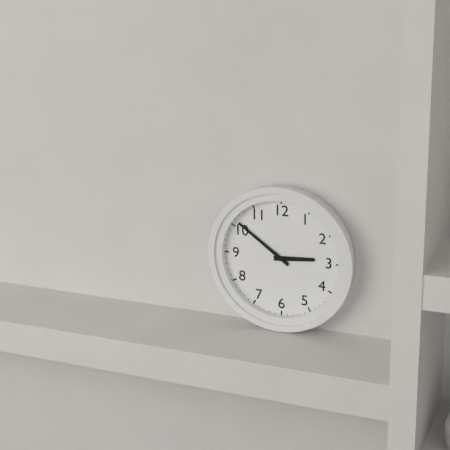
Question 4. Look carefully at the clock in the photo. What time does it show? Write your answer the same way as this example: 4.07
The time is 2.51
